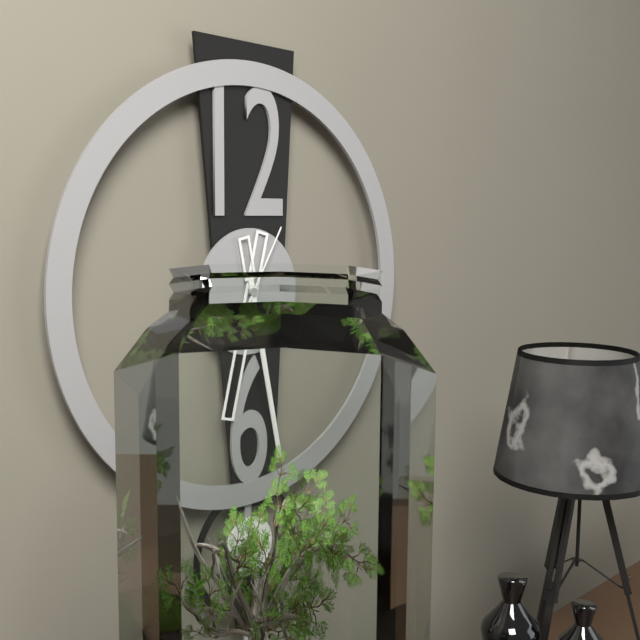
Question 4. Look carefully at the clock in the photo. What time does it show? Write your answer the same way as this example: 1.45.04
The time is 6.28.05
